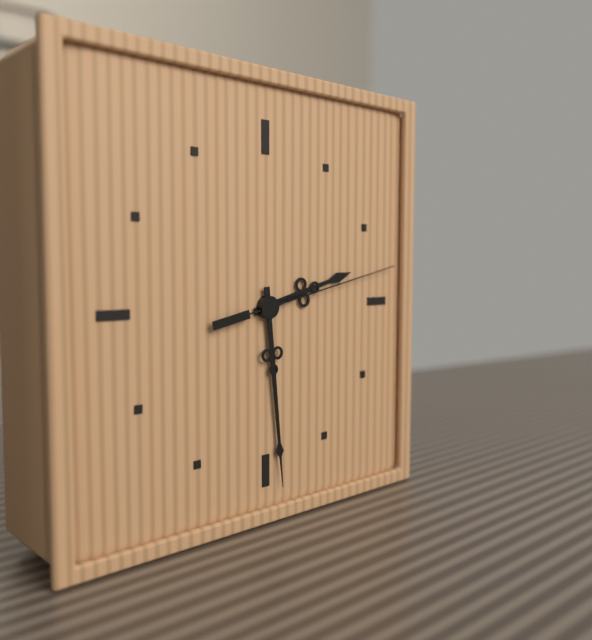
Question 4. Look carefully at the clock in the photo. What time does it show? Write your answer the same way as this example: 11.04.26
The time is 2.29.13
